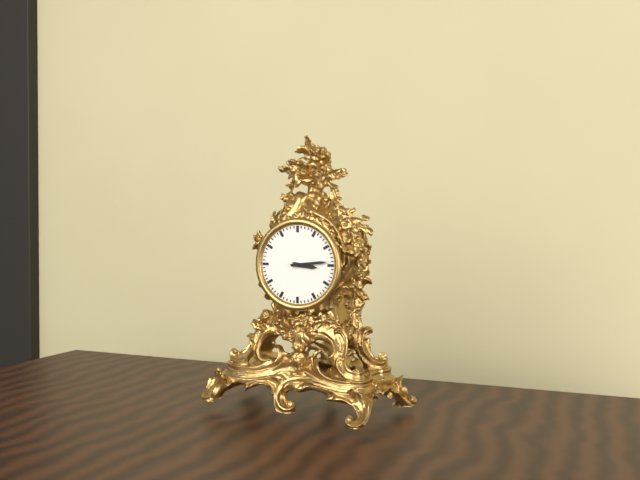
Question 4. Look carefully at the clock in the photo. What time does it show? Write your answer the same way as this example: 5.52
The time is 3.14
